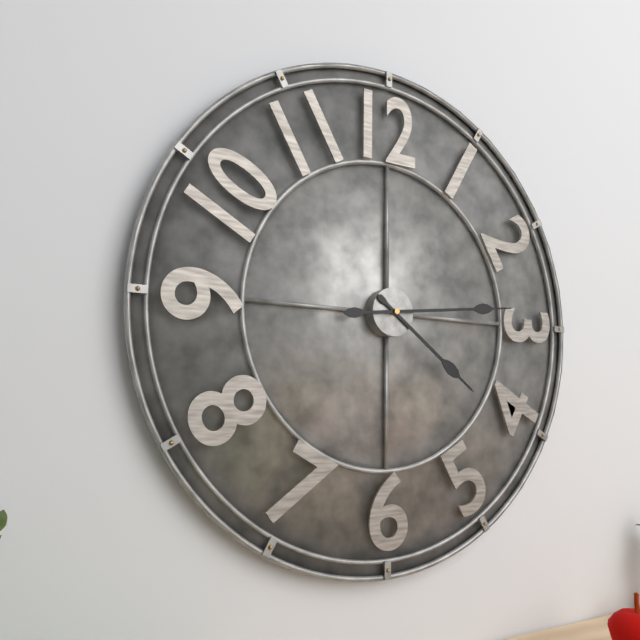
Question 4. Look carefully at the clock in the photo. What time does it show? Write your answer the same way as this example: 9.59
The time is 4.14
